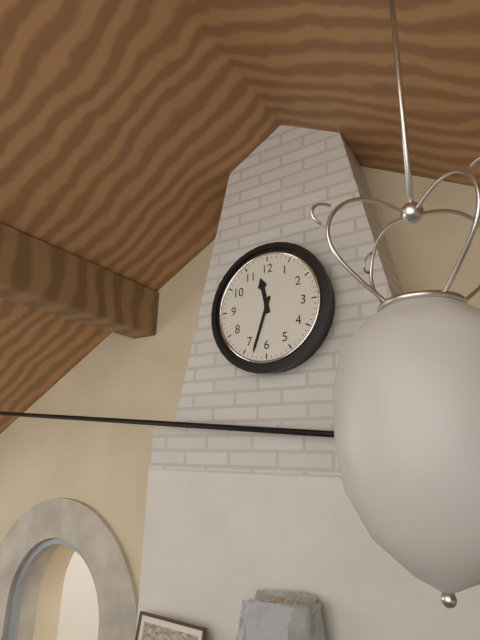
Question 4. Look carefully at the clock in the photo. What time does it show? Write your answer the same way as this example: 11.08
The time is 11.33
